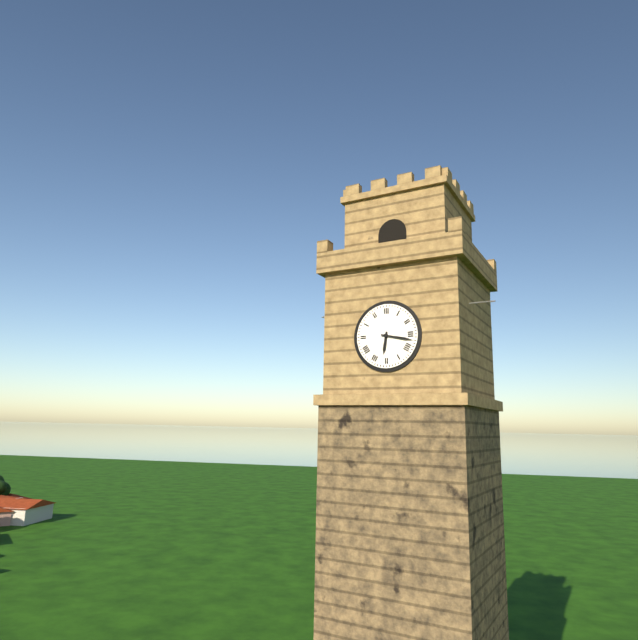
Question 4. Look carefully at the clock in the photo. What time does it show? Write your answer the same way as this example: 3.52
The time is 6.17
